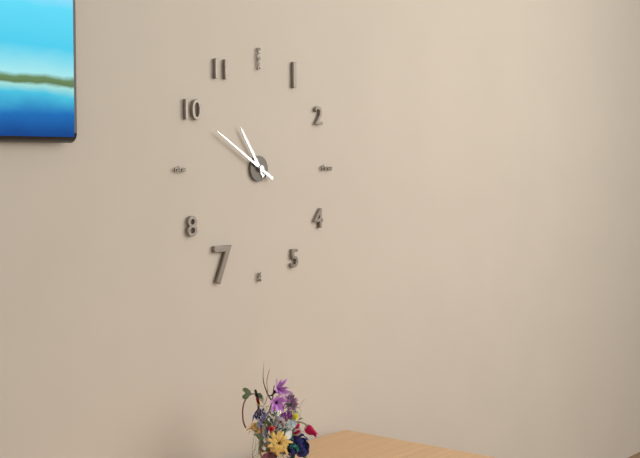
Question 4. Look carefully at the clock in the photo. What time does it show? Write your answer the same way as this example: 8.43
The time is 10.50
